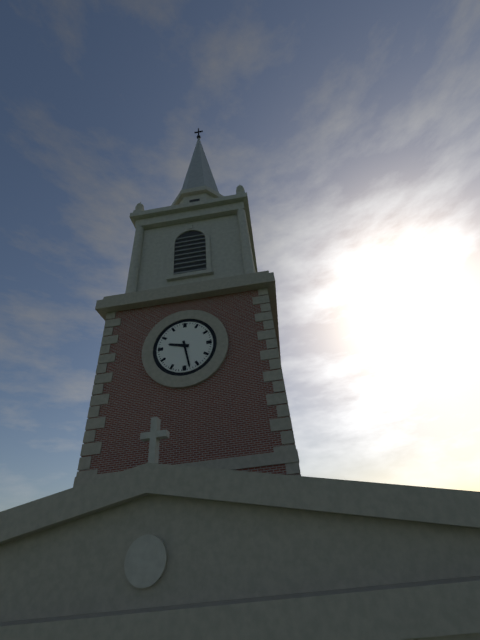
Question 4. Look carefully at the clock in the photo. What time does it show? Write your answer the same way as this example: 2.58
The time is 9.28
